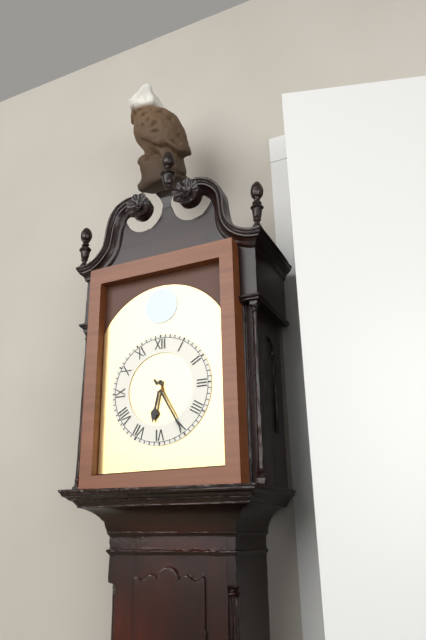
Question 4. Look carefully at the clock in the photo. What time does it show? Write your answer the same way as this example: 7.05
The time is 6.25
